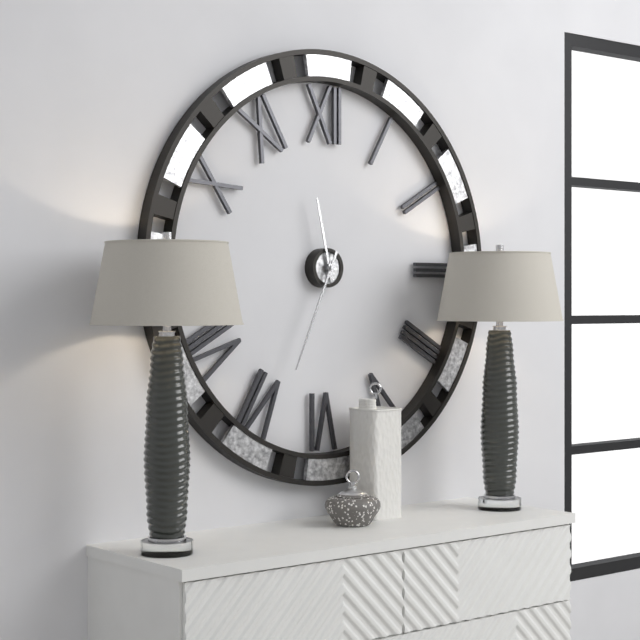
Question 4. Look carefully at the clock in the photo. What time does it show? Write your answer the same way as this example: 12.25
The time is 11.34
